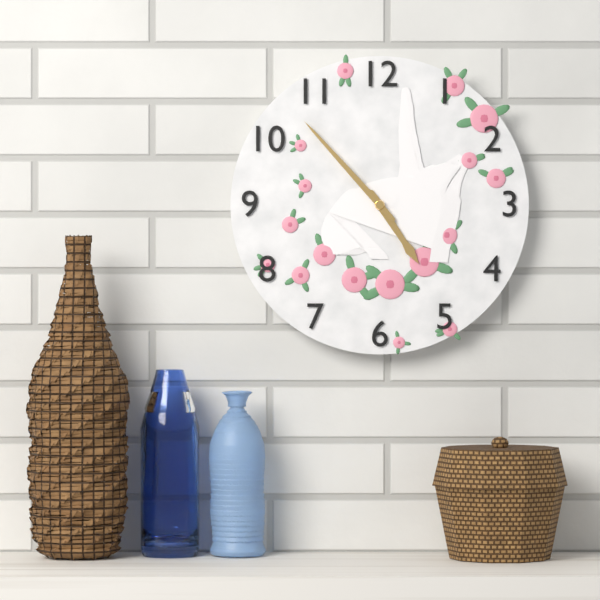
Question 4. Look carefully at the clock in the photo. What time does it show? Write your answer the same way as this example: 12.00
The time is 4.53
